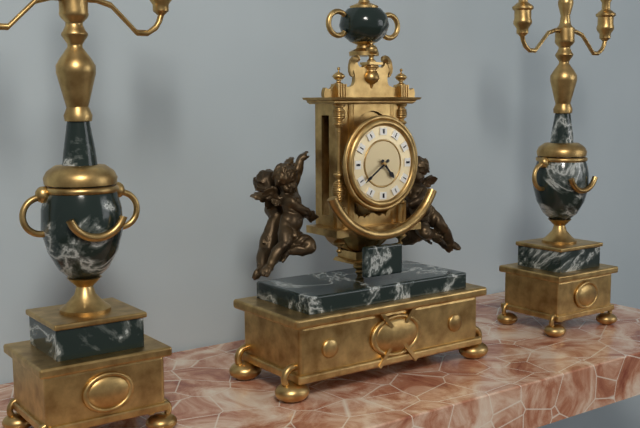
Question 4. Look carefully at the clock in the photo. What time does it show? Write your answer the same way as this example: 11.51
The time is 4.39
